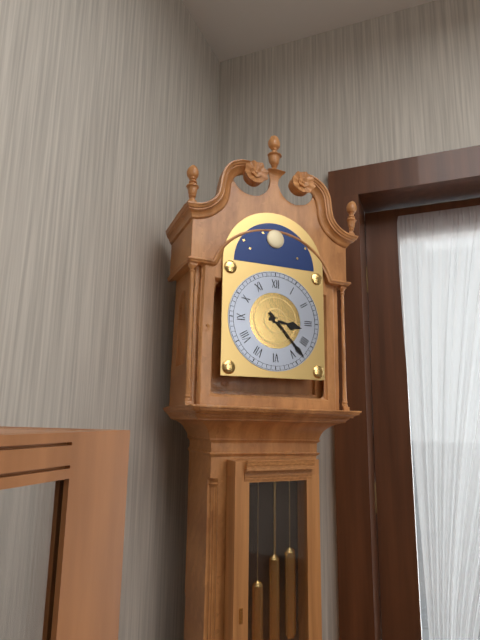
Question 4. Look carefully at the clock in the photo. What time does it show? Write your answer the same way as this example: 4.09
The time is 3.23
